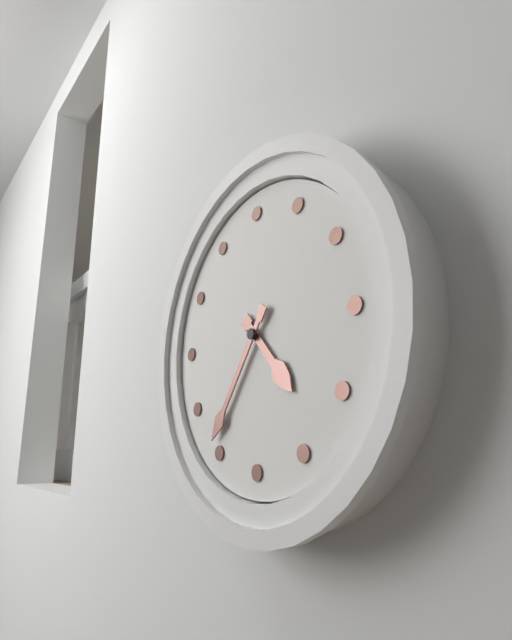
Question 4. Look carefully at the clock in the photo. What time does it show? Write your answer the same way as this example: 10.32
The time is 4.36
